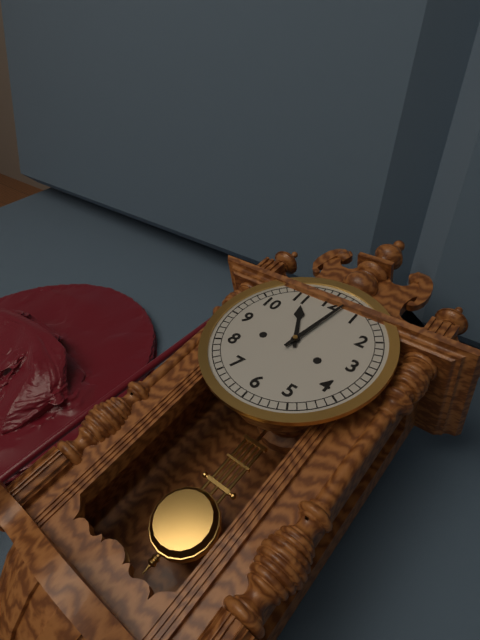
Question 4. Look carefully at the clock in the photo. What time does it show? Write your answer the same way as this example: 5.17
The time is 11.02
